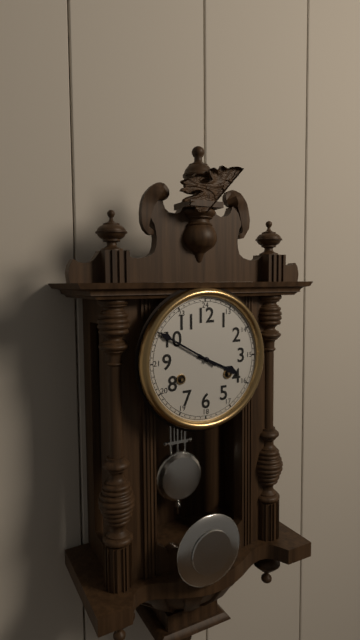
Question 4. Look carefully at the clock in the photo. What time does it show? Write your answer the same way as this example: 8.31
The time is 3.50
